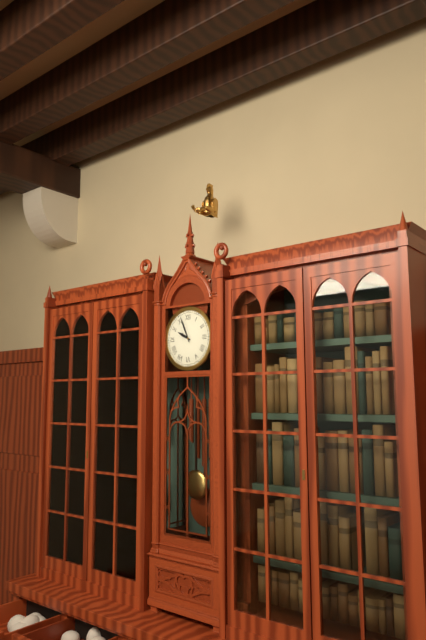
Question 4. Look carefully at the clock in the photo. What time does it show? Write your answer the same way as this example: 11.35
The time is 9.56
